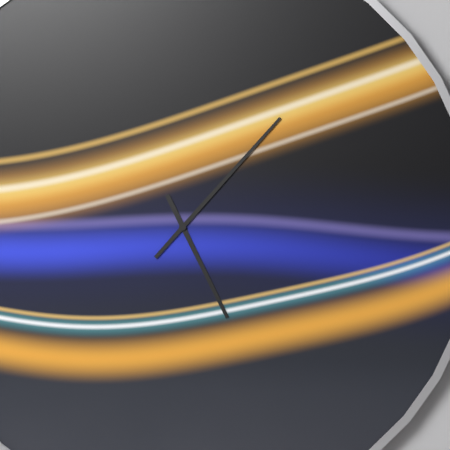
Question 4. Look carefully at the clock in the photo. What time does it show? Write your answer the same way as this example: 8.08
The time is 5.07
